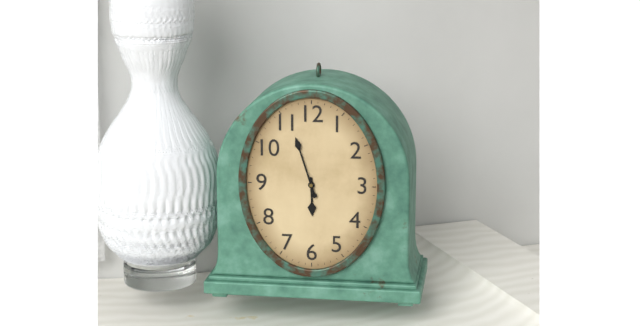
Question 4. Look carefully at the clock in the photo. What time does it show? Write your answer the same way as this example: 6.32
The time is 5.57
